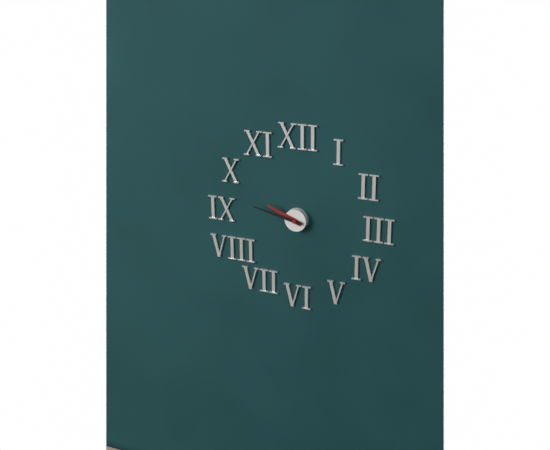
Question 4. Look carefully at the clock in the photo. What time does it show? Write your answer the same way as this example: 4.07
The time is 9.47
